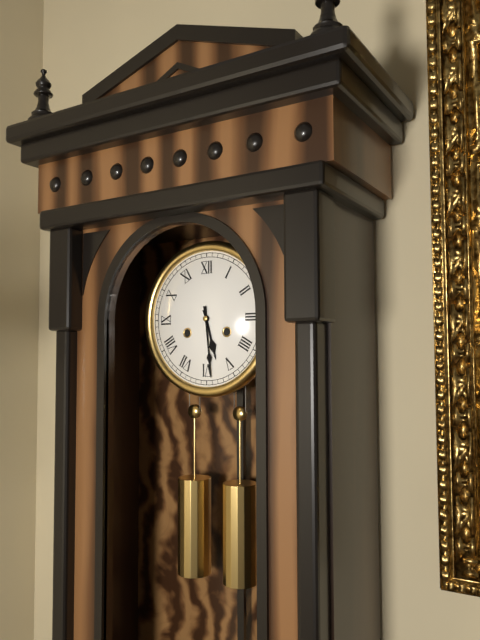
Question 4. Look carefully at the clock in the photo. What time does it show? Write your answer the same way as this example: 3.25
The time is 5.29
